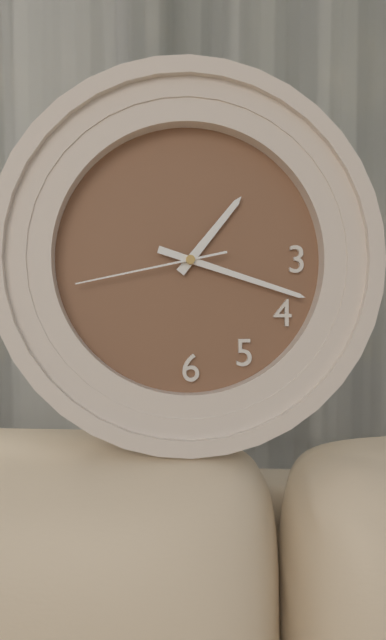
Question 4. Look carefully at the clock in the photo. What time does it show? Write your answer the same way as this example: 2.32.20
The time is 1.18.43
